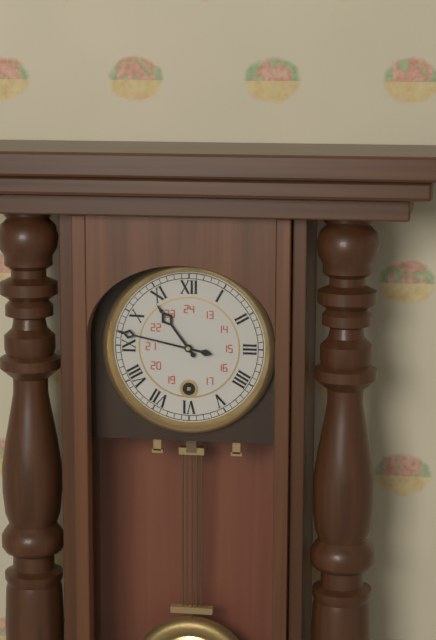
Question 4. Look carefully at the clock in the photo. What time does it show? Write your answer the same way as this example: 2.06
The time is 10.47
